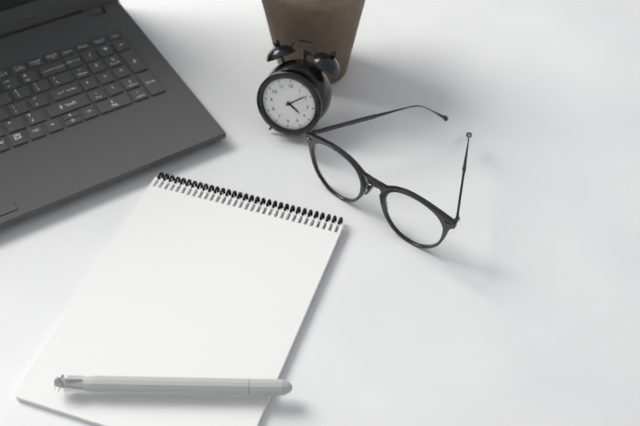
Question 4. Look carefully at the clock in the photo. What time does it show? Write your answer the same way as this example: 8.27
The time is 4.09
